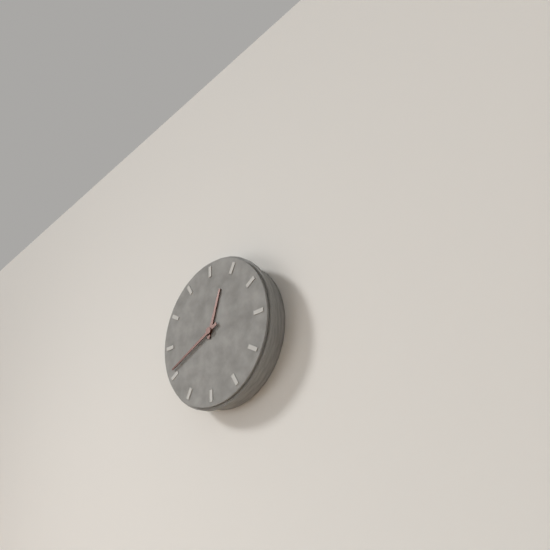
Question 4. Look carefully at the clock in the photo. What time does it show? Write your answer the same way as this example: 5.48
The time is 12.41
